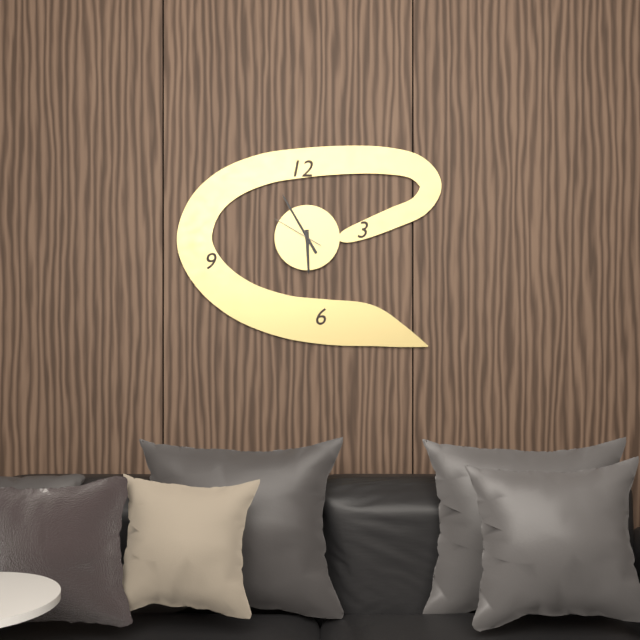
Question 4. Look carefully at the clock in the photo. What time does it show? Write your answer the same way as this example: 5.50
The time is 5.55
